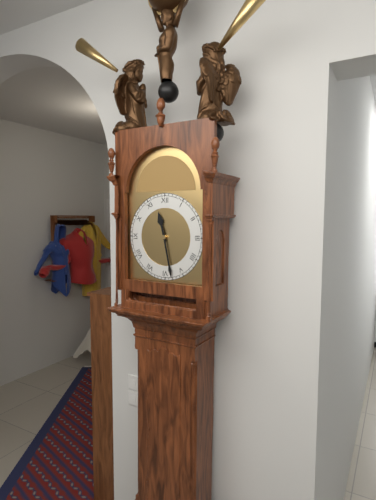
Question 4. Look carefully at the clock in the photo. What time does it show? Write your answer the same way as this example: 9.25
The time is 11.28
